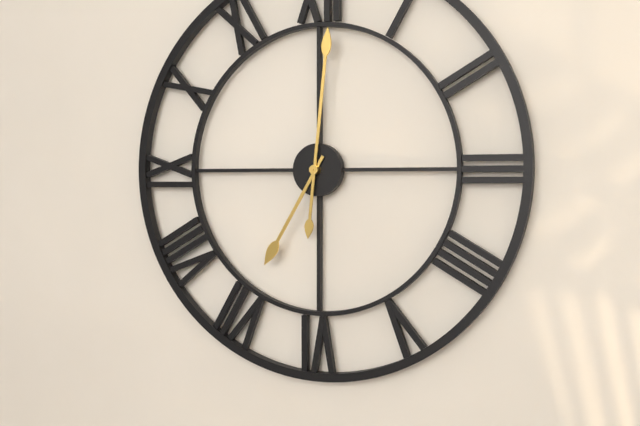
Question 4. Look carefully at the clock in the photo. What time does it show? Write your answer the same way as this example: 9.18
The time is 7.01
